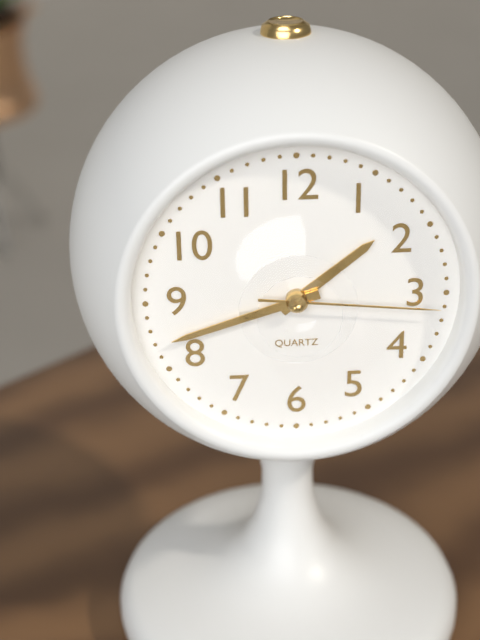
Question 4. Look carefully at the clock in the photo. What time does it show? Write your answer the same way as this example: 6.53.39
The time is 1.42.16
